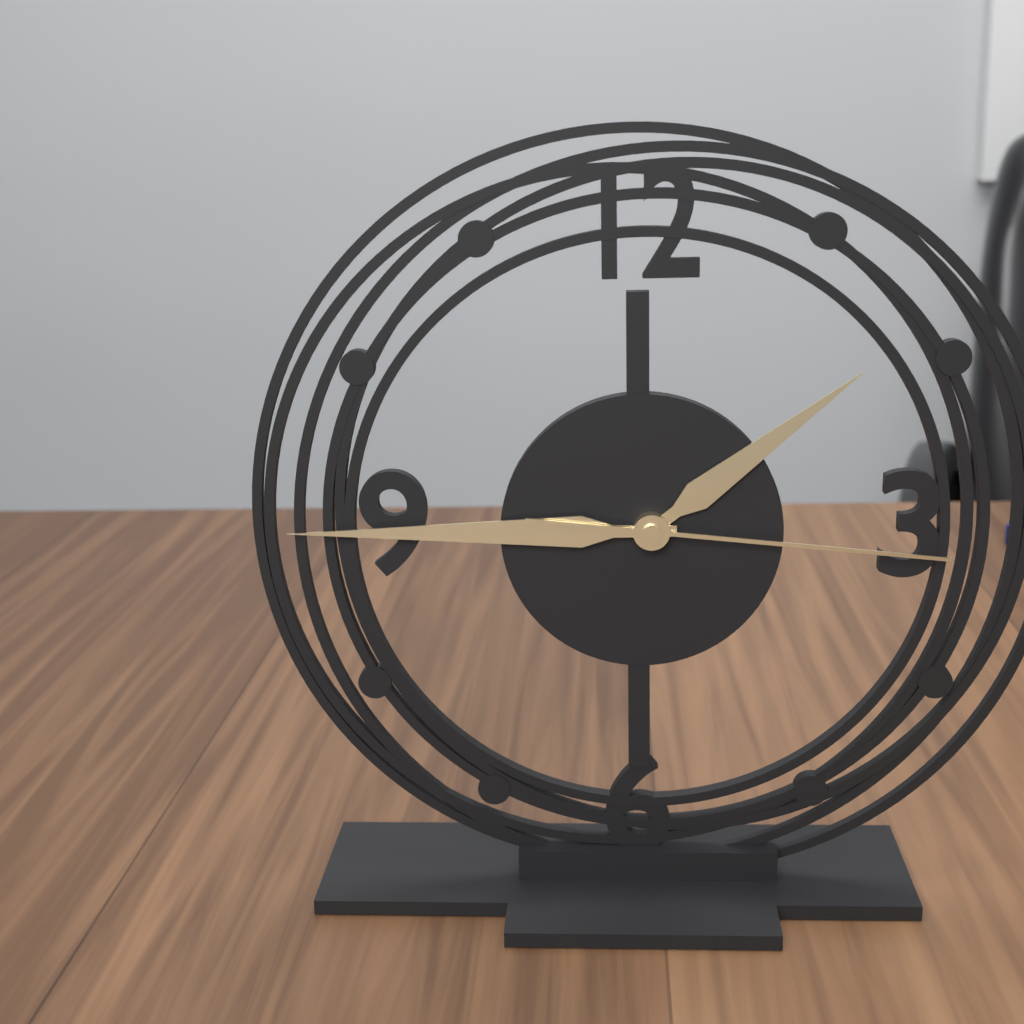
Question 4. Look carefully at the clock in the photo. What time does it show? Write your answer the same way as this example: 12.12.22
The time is 1.45.16
